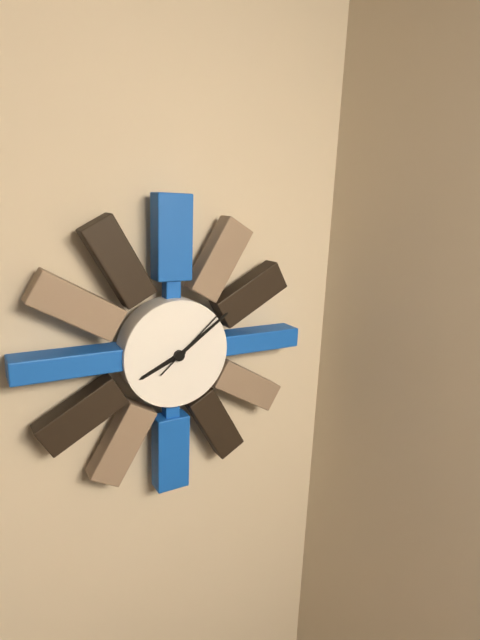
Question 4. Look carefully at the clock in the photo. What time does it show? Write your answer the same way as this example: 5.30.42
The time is 8.09.08
